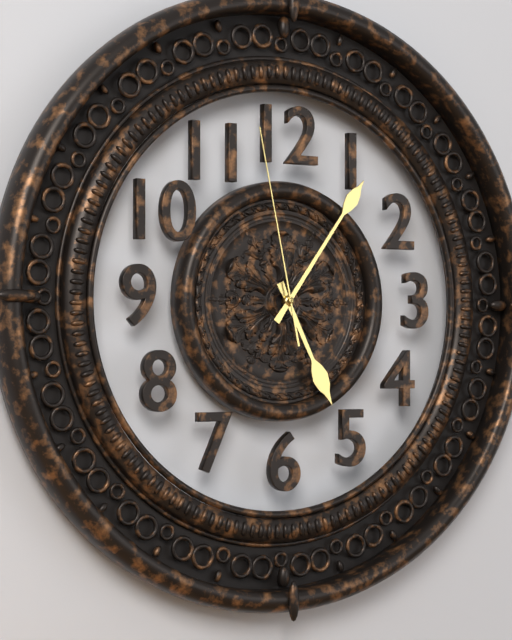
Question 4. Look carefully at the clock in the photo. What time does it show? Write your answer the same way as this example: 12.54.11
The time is 5.06.58
